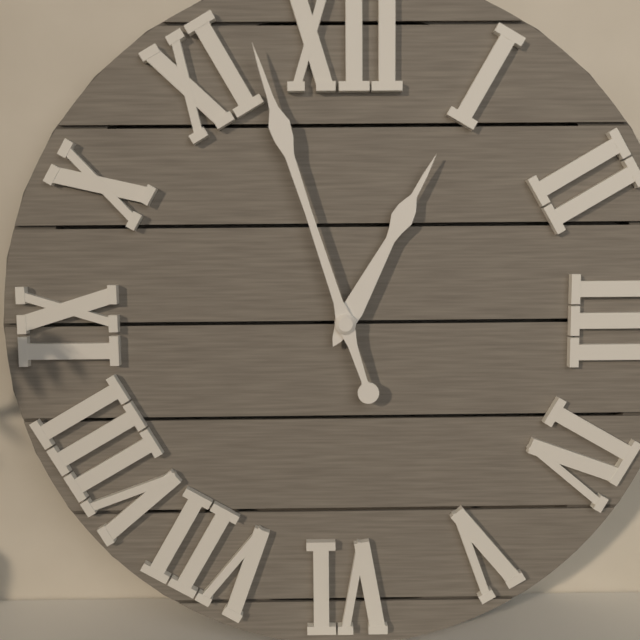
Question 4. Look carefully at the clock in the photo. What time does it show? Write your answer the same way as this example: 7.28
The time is 12.57
